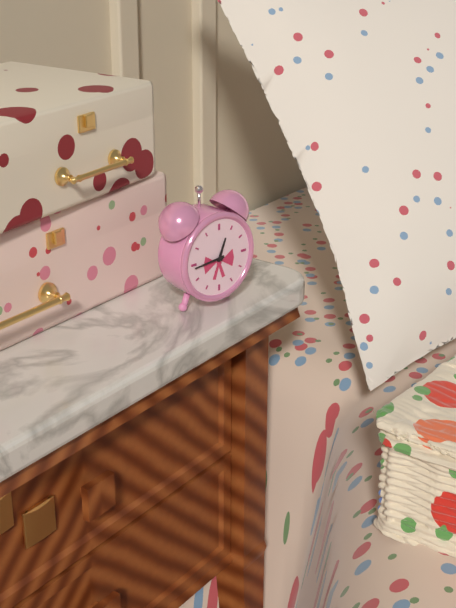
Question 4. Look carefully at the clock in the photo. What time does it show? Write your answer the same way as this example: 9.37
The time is 12.44
